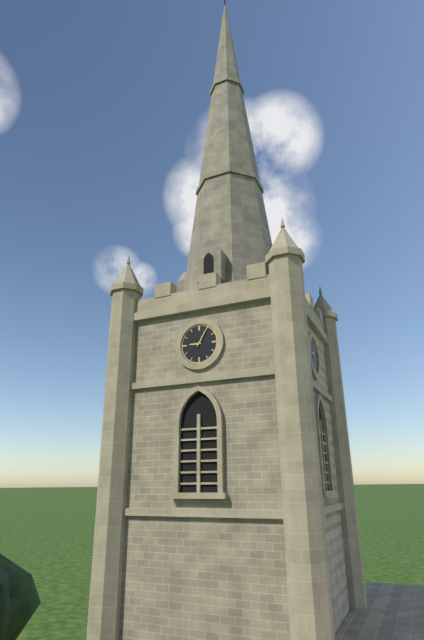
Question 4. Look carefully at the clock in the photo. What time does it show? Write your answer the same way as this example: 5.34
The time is 9.05
